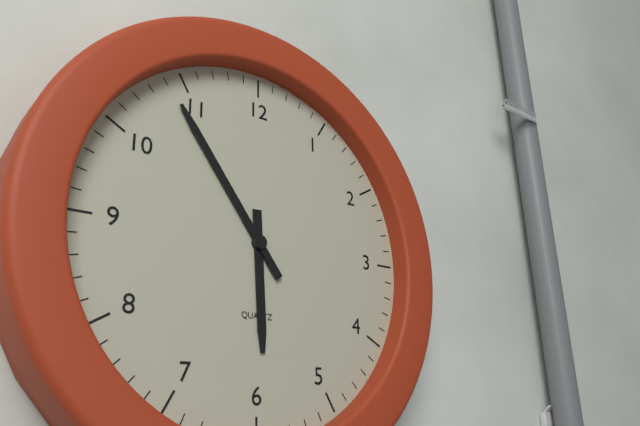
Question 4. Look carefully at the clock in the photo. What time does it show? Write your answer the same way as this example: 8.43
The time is 5.54
